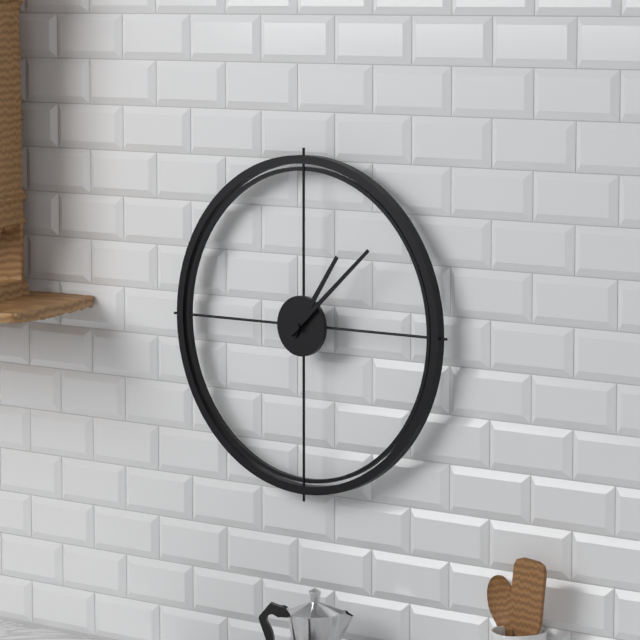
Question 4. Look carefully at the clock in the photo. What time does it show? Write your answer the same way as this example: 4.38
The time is 1.08
